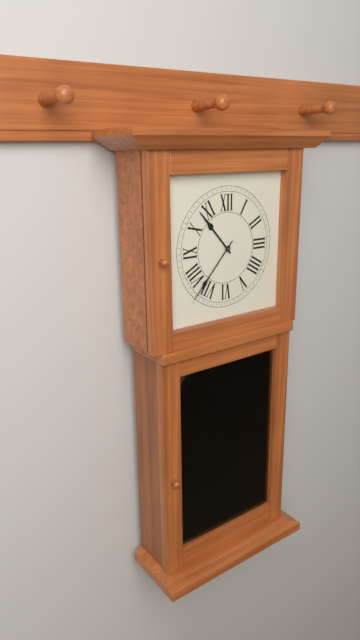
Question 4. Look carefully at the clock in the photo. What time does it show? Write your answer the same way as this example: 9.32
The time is 10.37
